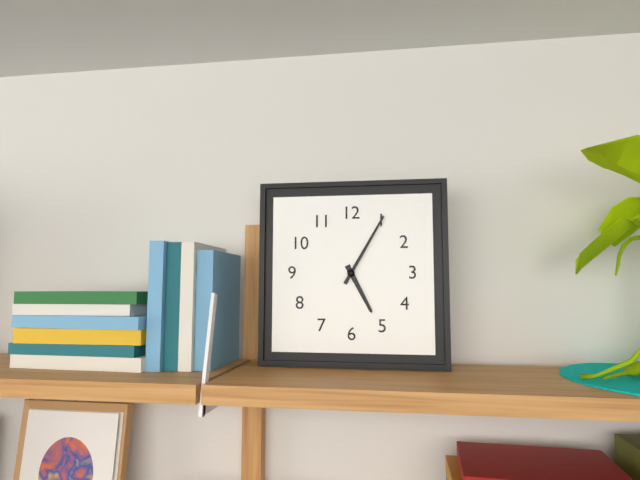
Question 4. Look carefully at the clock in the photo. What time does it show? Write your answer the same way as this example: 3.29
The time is 5.05
